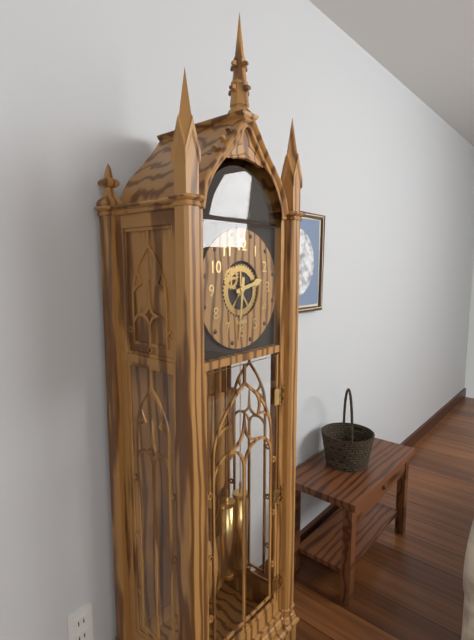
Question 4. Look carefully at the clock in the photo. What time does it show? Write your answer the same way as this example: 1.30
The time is 2.31
